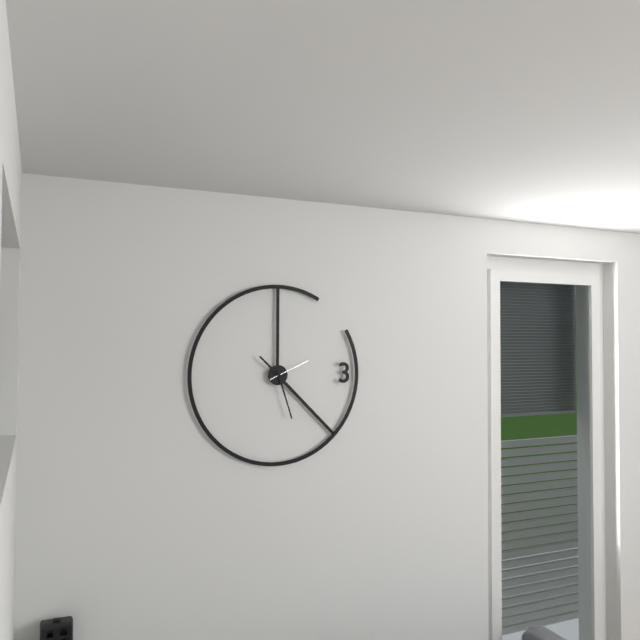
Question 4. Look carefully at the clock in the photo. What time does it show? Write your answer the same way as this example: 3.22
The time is 10.27
